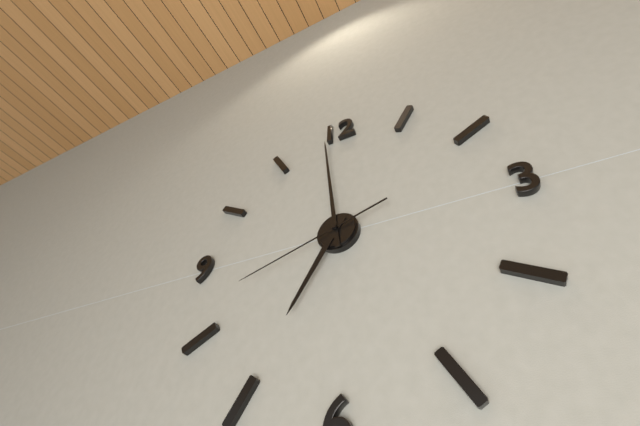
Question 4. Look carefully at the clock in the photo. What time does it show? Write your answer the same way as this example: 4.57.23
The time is 6.59.42
